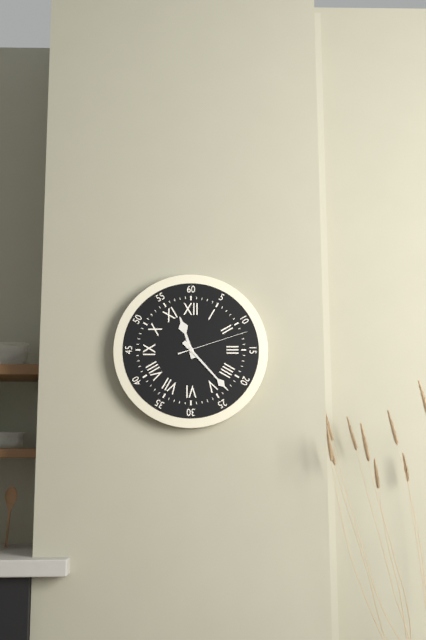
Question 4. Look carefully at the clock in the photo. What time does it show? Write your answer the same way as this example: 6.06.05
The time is 11.23.12
